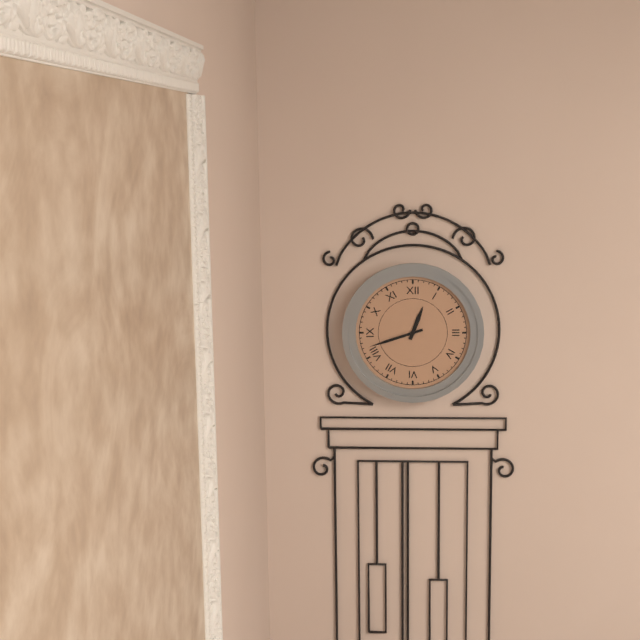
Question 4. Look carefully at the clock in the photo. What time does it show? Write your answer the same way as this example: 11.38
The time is 12.42
